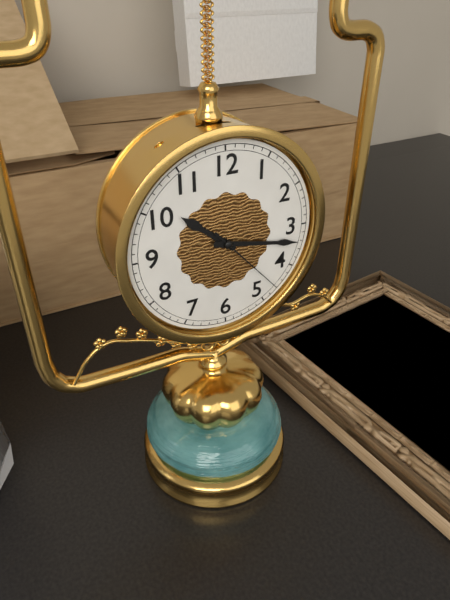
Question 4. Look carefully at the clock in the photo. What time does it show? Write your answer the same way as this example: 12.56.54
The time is 10.17.23
